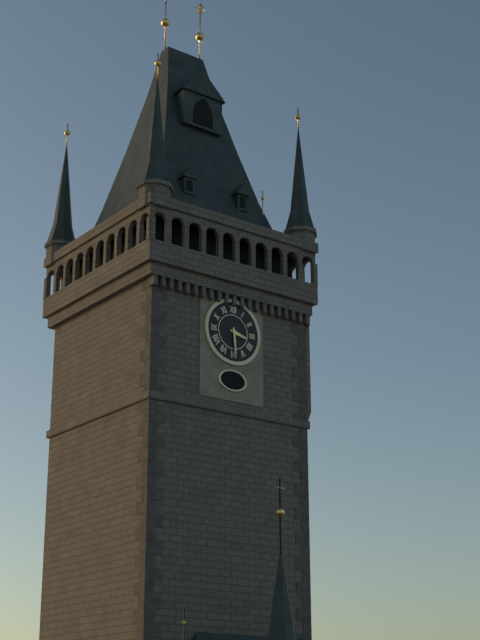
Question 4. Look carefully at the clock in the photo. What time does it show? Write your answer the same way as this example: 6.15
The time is 3.29
